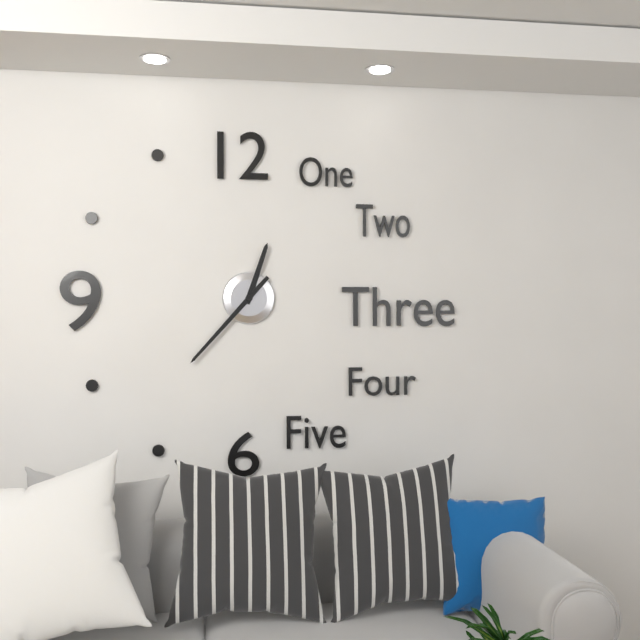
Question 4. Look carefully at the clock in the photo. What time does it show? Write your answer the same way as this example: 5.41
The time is 12.37
